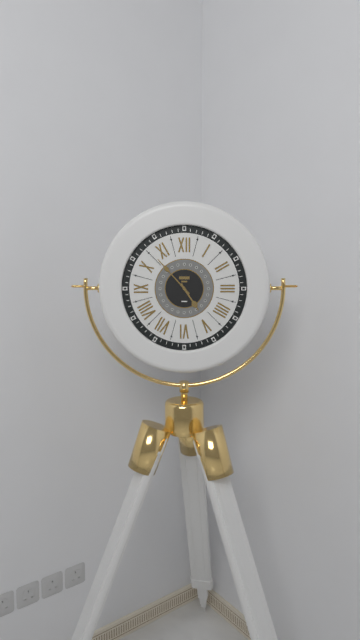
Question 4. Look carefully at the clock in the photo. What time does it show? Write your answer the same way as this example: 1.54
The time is 4.53
